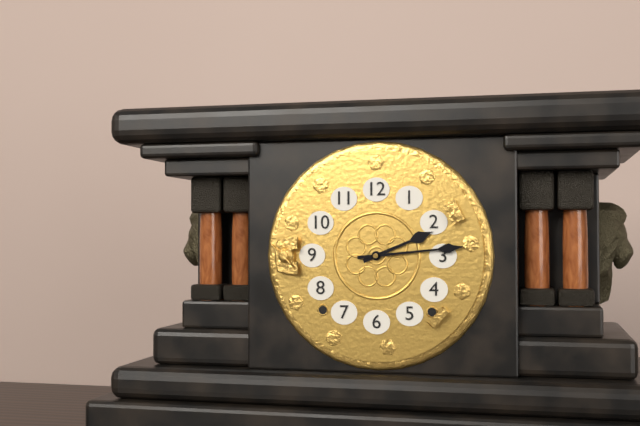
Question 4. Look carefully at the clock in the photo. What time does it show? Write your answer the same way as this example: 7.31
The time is 2.14
